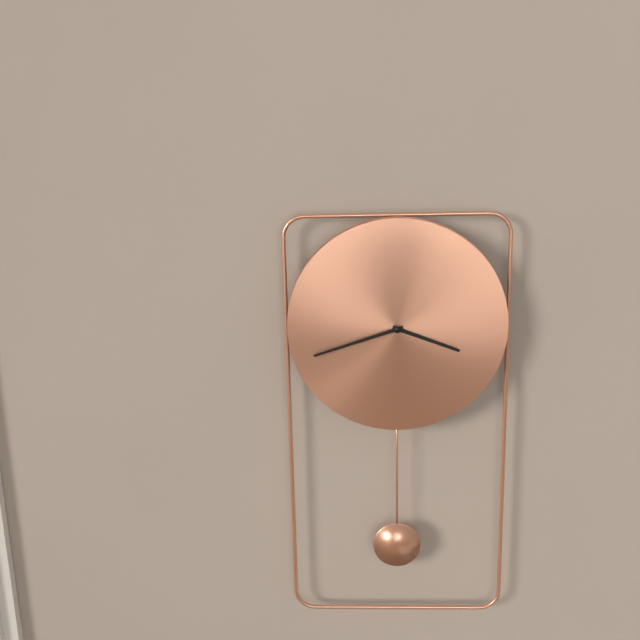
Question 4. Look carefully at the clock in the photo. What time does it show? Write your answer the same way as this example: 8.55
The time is 3.42
